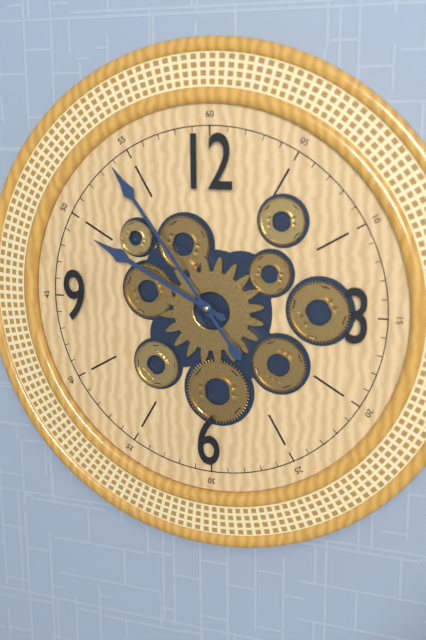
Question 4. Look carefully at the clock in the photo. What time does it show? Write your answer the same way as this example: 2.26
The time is 9.54
